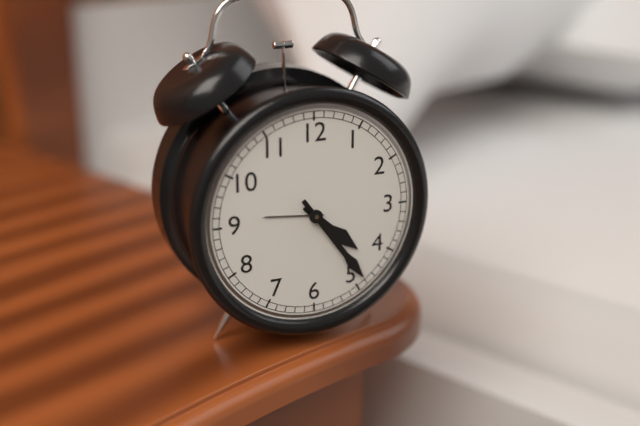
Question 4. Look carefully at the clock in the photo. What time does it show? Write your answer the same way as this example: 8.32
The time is 4.24
